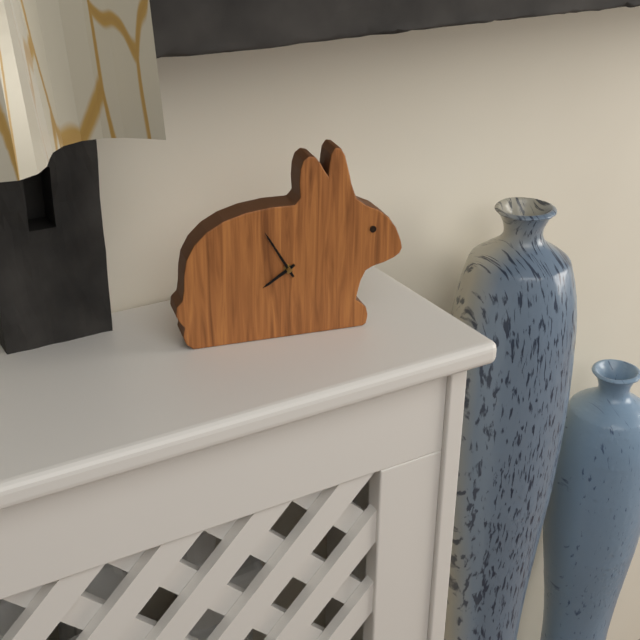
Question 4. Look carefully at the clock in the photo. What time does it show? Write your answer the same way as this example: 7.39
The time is 7.55
